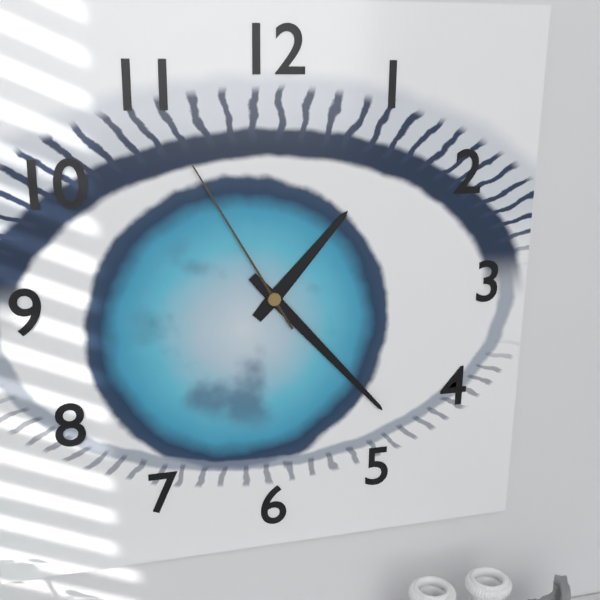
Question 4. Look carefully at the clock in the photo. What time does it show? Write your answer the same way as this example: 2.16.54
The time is 1.23.55
